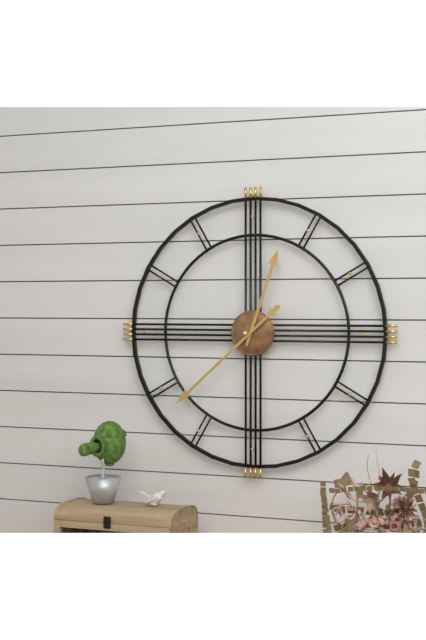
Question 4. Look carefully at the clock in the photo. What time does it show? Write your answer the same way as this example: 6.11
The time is 12.38
